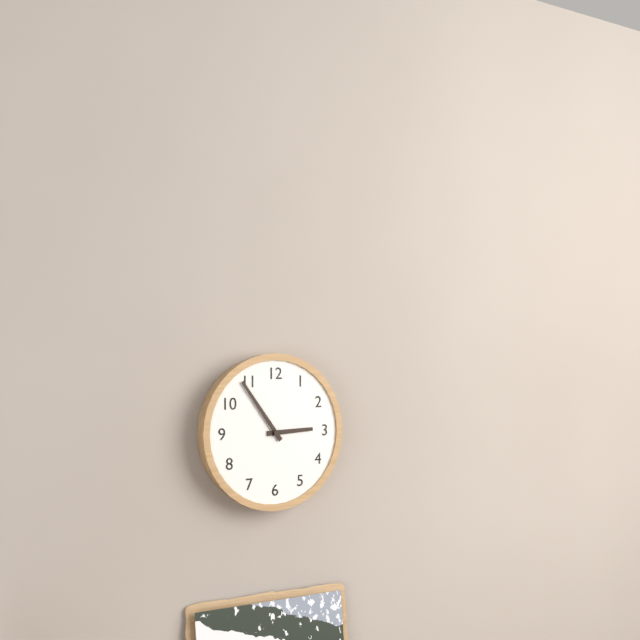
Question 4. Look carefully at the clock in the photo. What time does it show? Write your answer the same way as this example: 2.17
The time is 2.54
